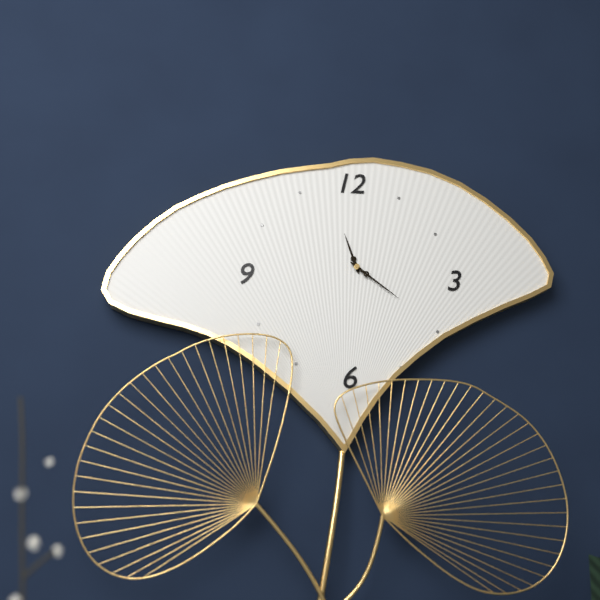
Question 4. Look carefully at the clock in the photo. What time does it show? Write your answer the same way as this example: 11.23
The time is 11.21
